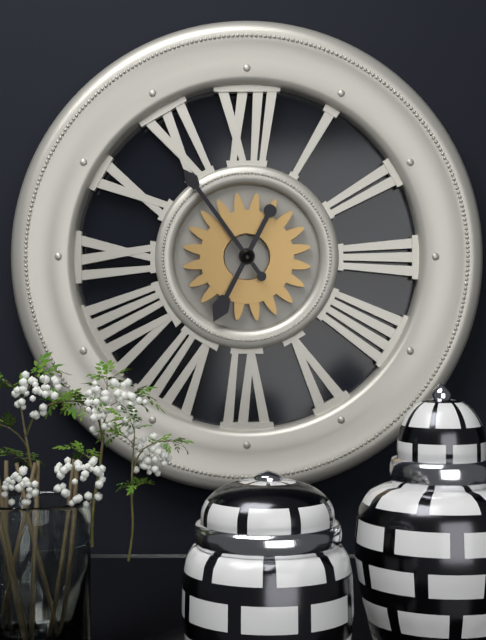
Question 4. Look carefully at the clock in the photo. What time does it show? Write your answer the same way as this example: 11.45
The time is 6.54
